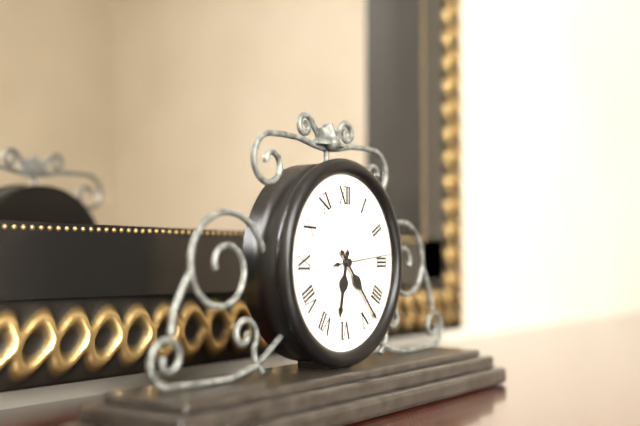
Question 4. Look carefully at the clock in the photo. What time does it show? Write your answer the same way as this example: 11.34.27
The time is 6.23.14
